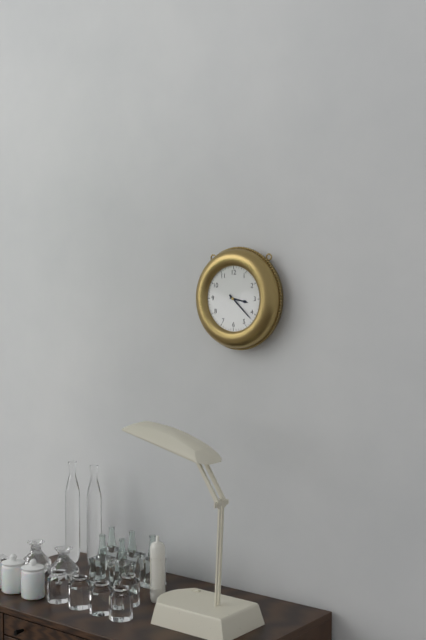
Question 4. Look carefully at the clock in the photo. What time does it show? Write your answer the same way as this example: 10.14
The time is 3.22
